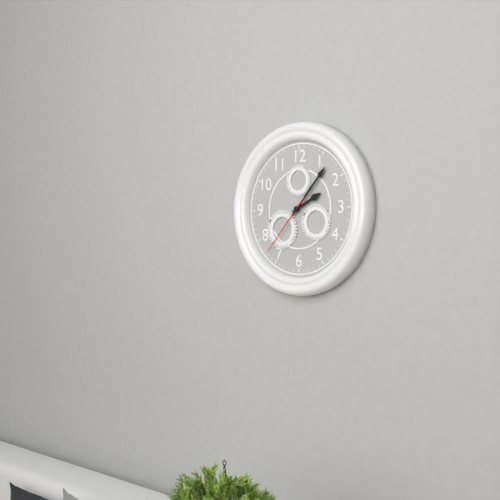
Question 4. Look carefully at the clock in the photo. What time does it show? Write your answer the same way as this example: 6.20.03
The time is 2.07.37
